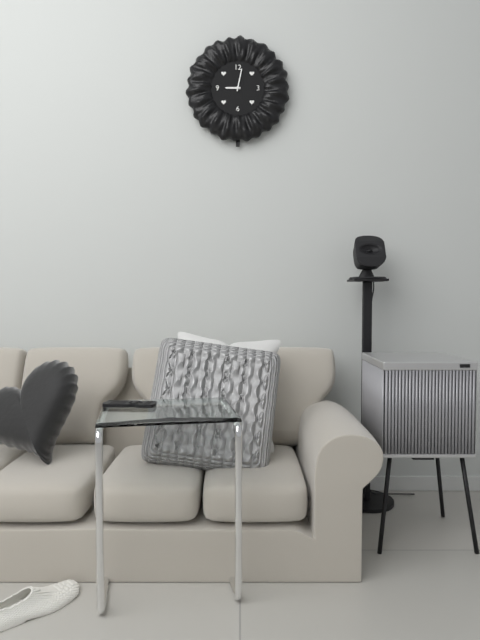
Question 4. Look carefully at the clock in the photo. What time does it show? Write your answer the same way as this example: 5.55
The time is 9.02
